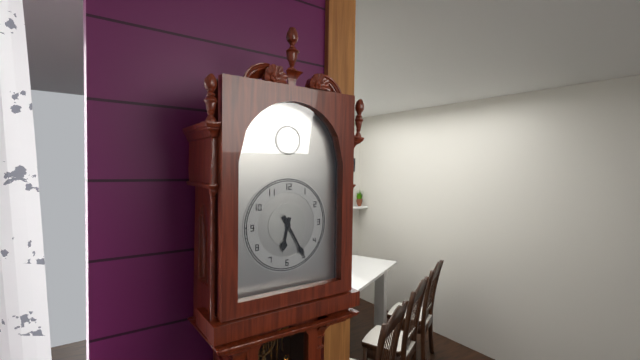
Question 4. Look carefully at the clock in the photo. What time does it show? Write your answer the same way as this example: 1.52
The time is 6.25
